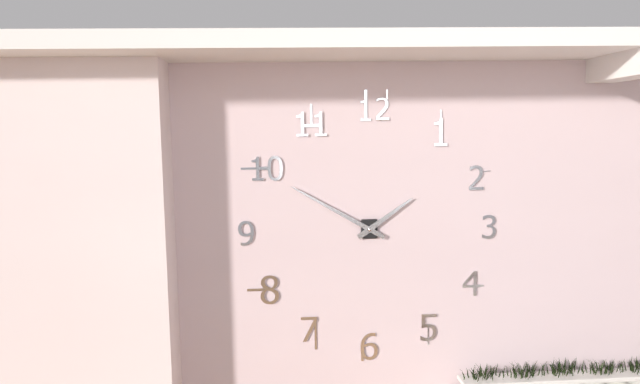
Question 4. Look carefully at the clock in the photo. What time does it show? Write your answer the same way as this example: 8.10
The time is 1.50
